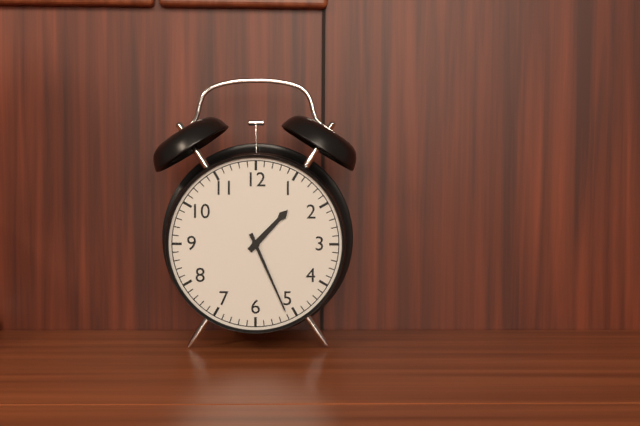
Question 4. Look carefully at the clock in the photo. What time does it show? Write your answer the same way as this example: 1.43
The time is 1.26
